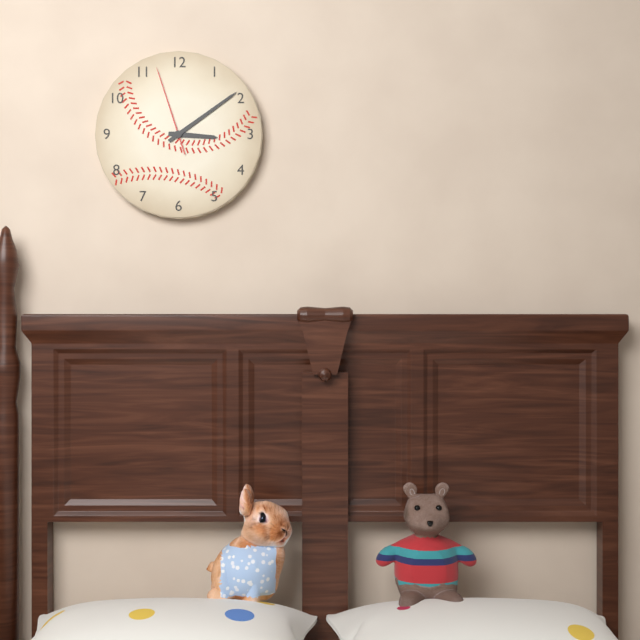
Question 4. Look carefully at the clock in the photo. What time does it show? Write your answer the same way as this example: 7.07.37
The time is 3.09.57
